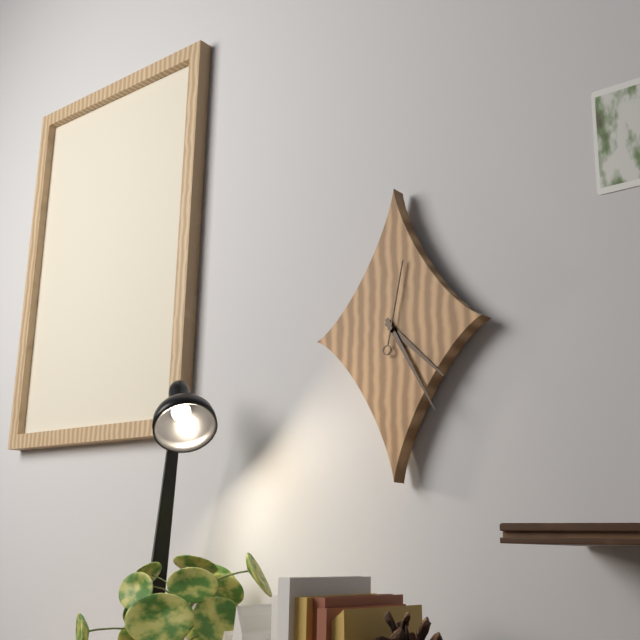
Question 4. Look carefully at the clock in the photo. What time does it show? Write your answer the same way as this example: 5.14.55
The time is 4.25.02
